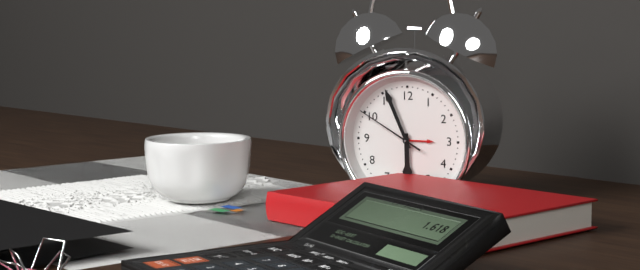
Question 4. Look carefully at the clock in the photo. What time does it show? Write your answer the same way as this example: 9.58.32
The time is 5.56.50
